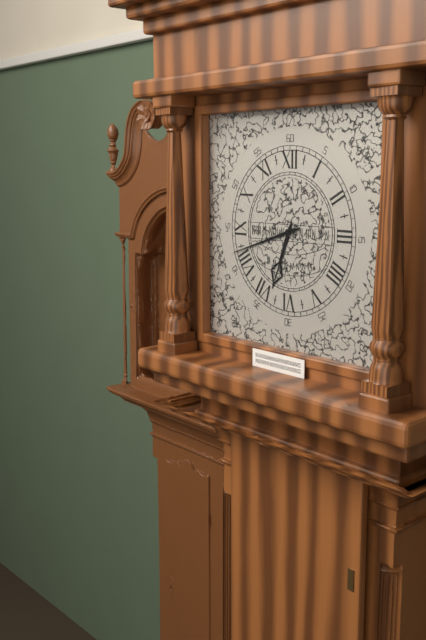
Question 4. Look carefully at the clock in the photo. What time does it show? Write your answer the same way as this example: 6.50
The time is 6.42
